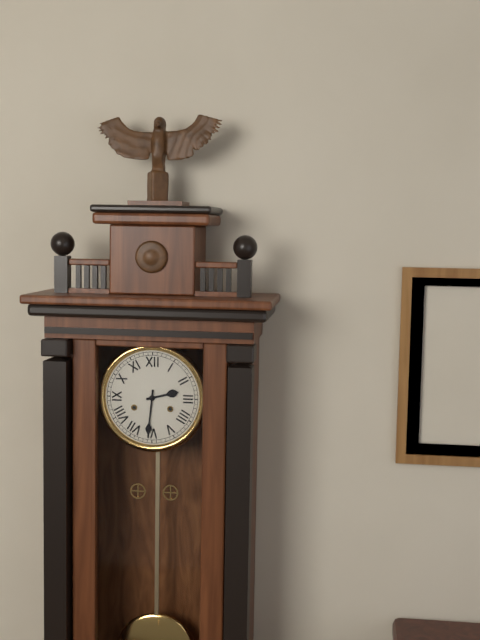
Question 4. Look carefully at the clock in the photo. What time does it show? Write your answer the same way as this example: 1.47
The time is 2.31
